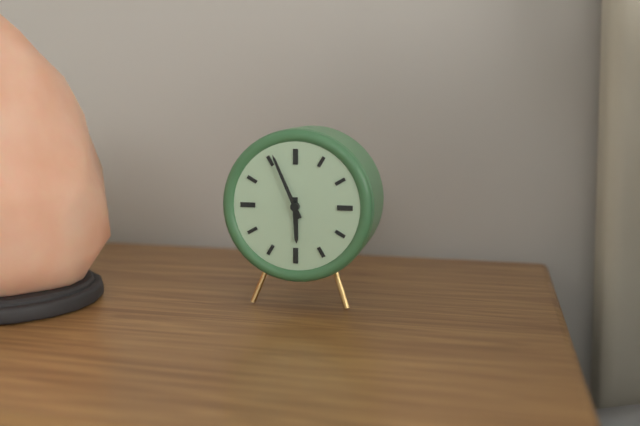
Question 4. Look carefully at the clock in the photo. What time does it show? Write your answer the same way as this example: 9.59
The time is 5.56
